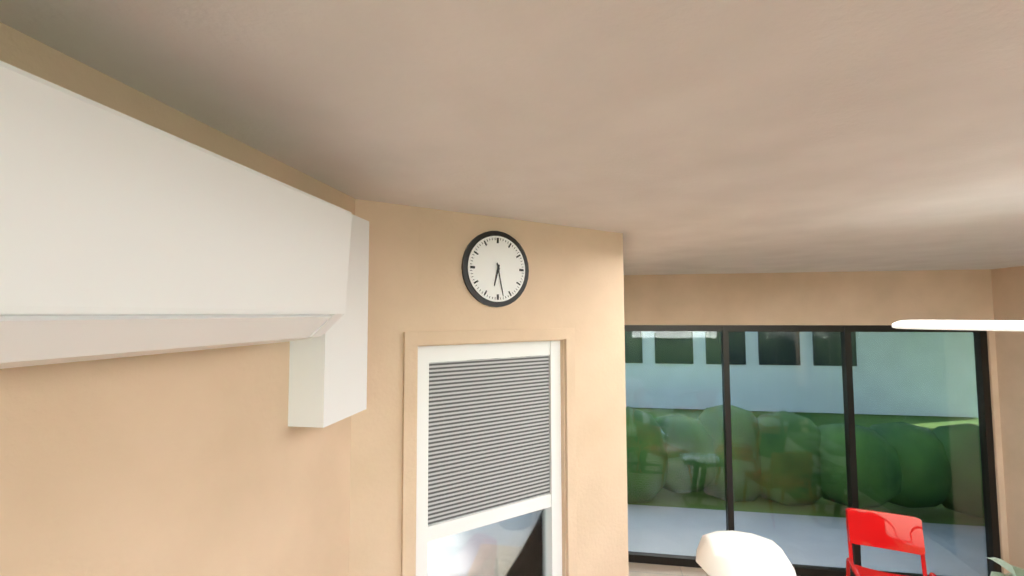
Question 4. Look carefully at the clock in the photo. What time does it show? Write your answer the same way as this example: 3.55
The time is 6.28
